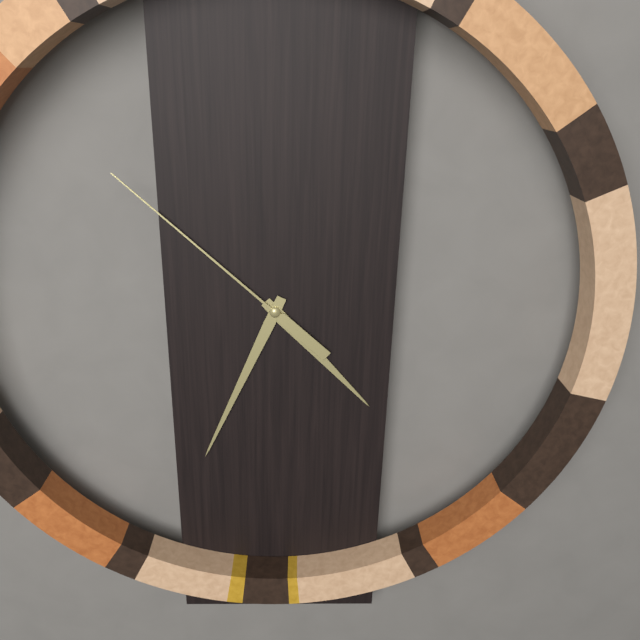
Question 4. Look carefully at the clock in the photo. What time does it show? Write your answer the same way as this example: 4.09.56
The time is 4.34.52
